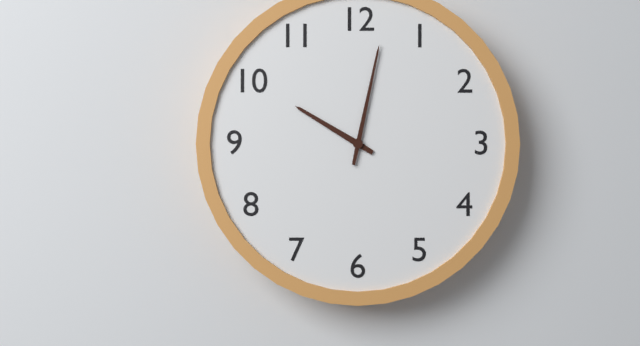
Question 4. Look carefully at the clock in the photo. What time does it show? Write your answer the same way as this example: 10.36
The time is 10.02
